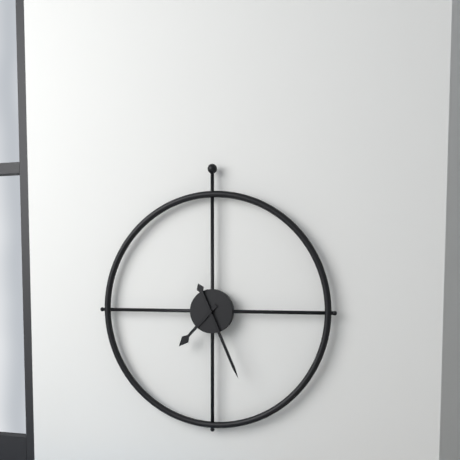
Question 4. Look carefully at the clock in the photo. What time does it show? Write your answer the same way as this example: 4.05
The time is 7.26
